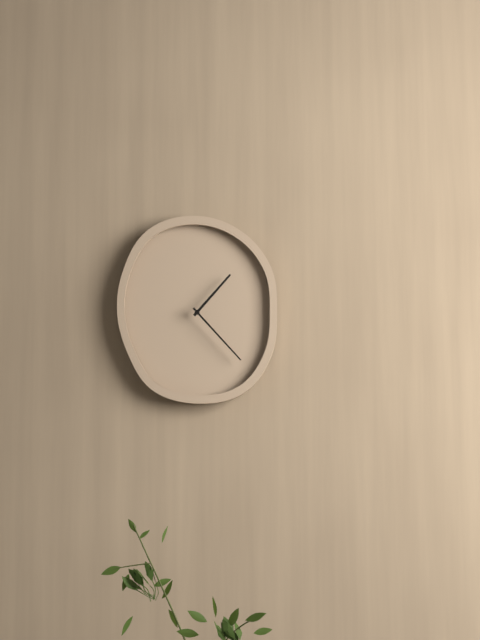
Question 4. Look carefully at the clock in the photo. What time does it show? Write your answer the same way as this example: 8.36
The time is 1.23
